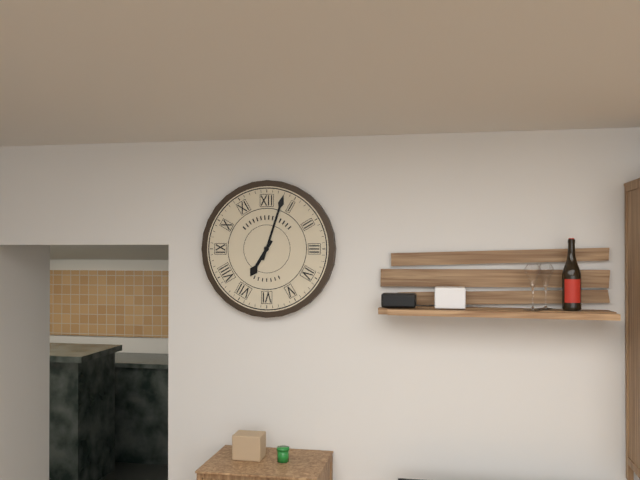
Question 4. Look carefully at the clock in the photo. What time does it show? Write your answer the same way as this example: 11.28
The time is 7.03
